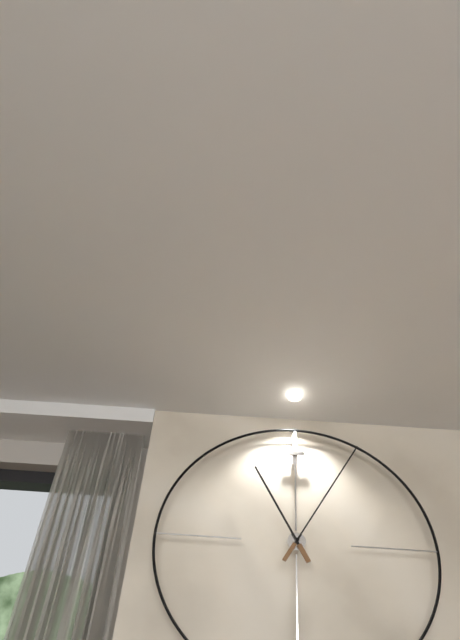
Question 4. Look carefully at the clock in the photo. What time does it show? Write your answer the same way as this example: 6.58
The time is 11.05
